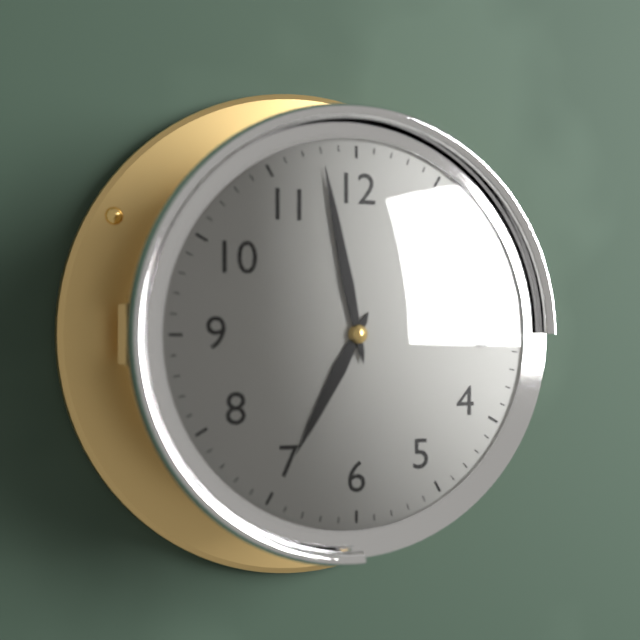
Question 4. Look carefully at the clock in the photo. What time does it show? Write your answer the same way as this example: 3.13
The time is 6.58
